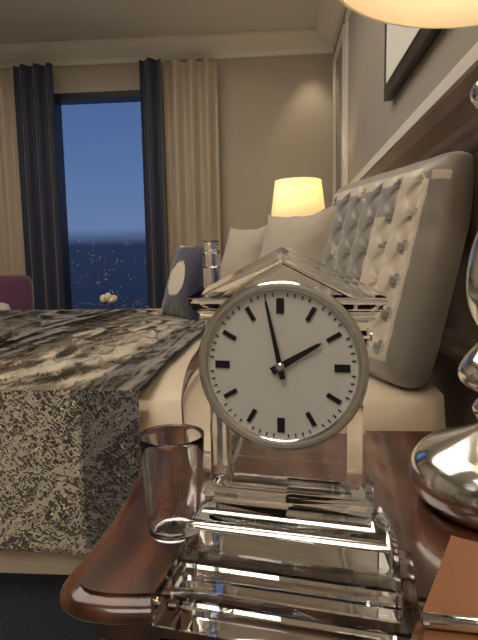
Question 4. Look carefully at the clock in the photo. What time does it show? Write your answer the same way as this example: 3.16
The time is 1.58
